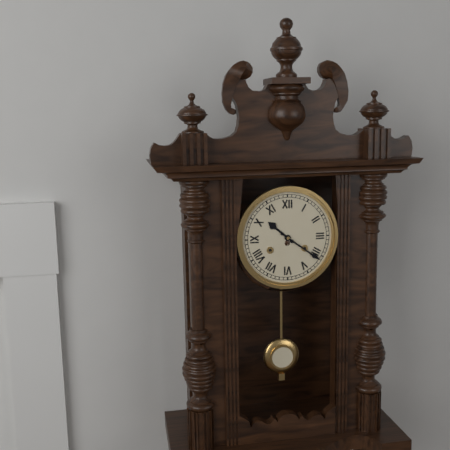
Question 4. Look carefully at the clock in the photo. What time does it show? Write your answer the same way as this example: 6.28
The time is 10.21
